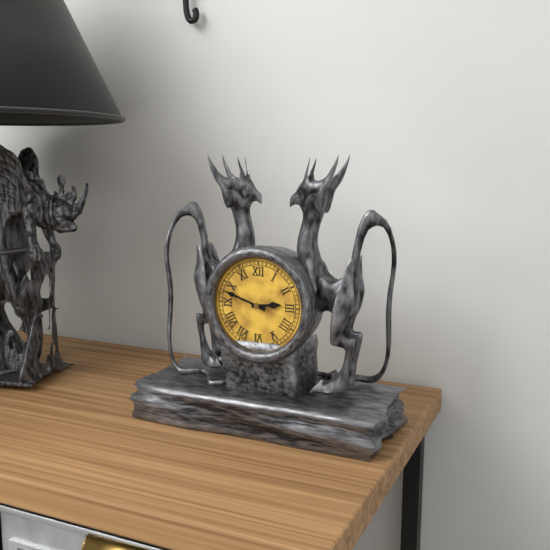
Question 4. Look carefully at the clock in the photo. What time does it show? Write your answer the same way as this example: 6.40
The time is 2.48
